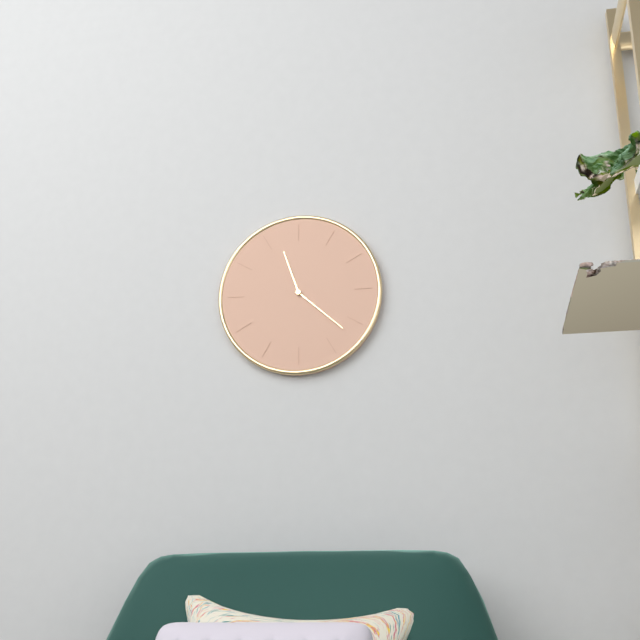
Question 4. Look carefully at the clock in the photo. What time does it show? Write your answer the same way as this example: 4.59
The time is 11.22
